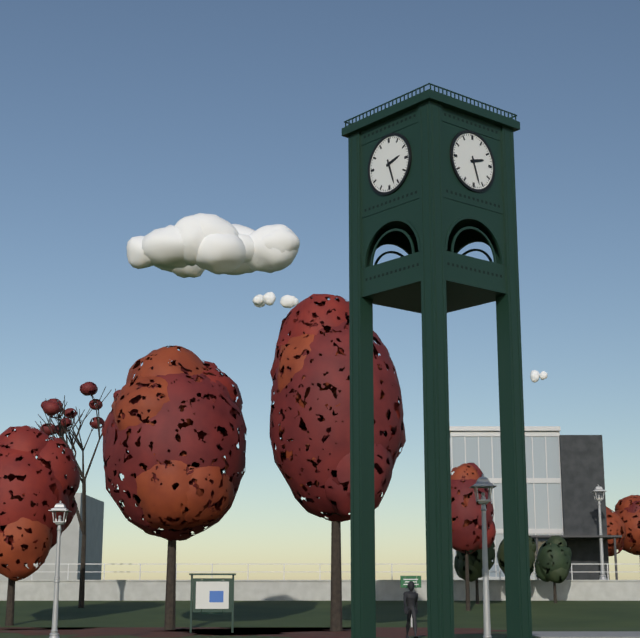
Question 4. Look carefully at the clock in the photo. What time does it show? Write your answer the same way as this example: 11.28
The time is 2.27
